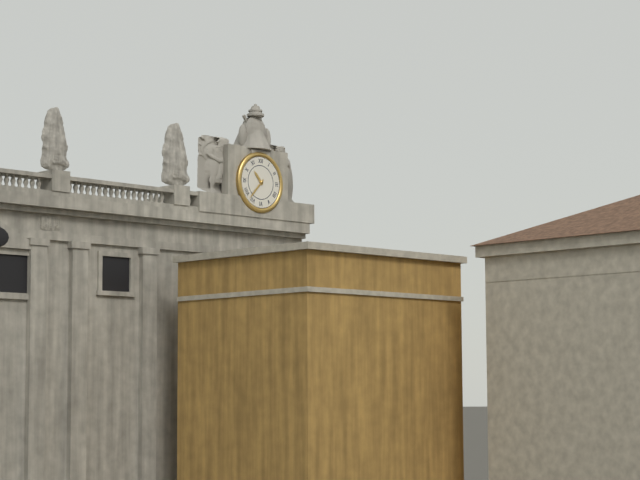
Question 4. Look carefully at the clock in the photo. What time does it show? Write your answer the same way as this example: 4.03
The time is 10.37
